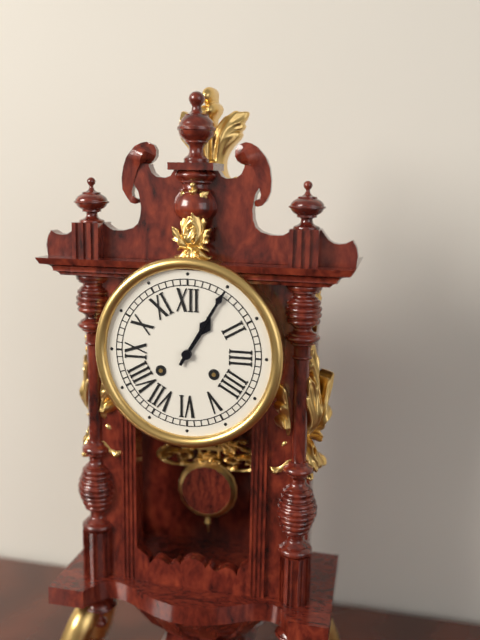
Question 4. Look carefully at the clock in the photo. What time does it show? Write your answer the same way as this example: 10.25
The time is 1.05
